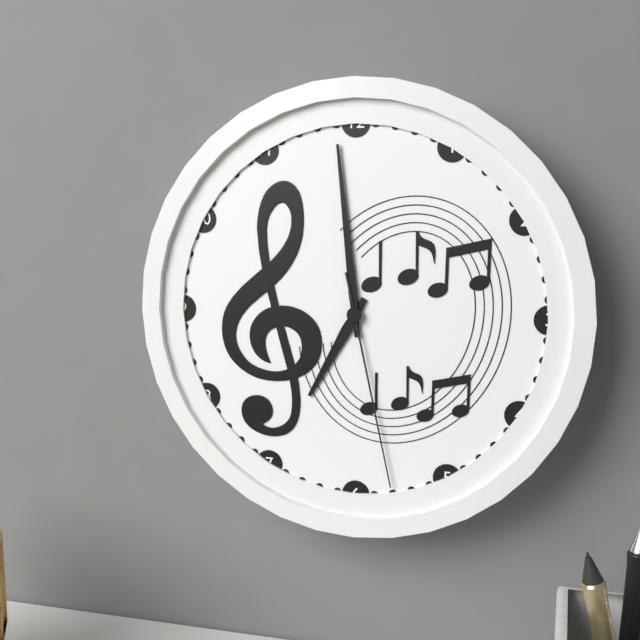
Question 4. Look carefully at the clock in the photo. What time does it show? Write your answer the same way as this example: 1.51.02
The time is 6.59.28
